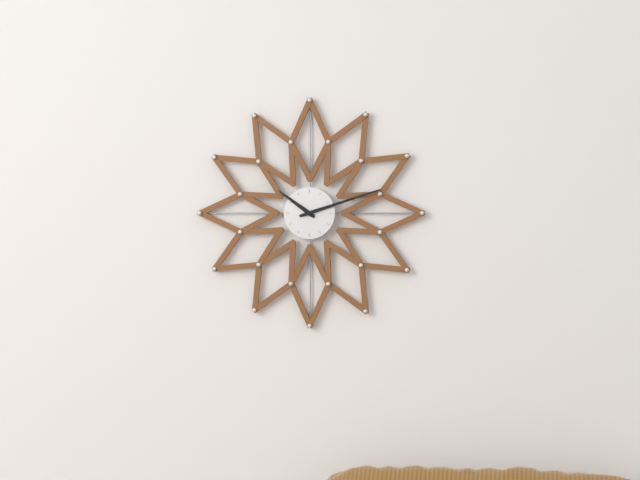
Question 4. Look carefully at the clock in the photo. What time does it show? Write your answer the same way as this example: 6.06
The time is 10.12
